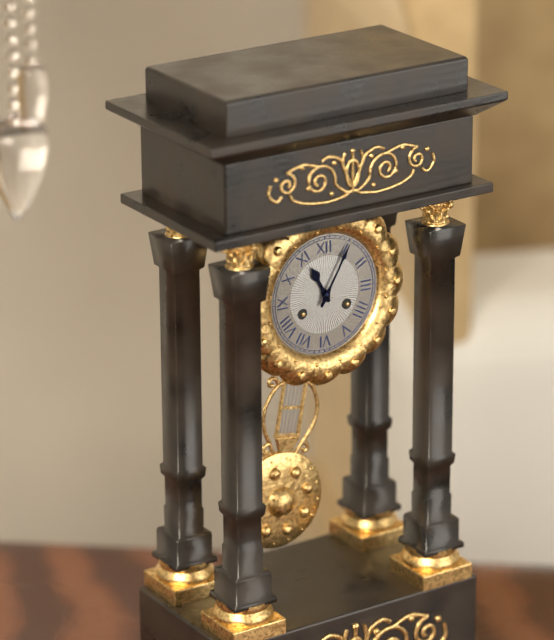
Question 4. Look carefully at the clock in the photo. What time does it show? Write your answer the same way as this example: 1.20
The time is 11.05
